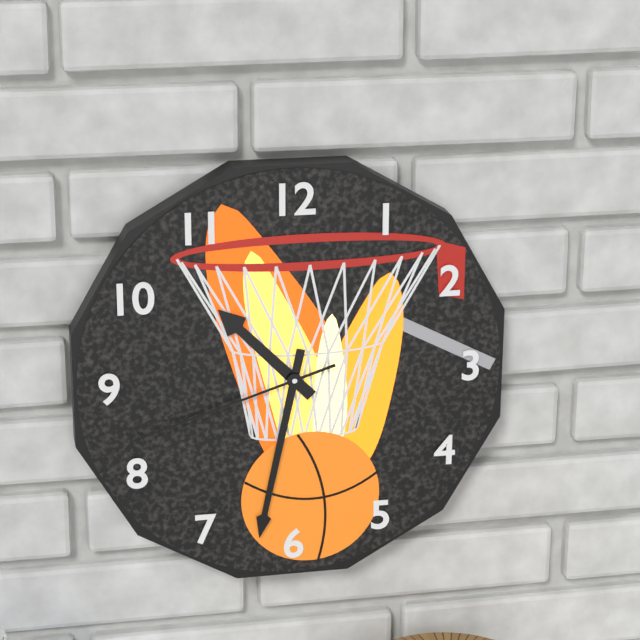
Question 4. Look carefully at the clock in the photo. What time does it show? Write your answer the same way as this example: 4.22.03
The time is 10.32.42
